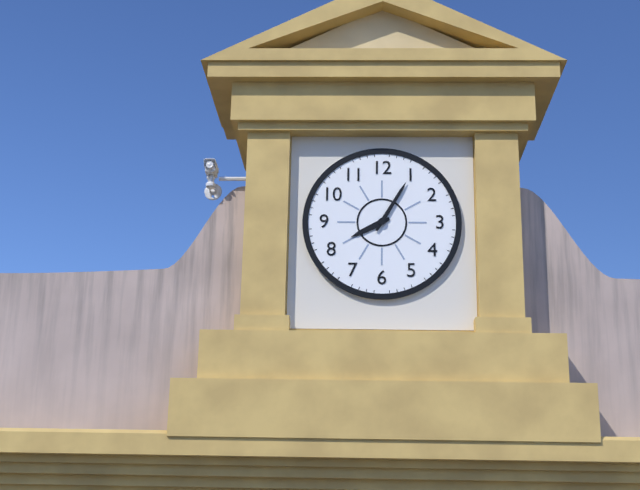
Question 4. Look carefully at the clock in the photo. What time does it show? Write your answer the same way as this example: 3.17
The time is 8.05
